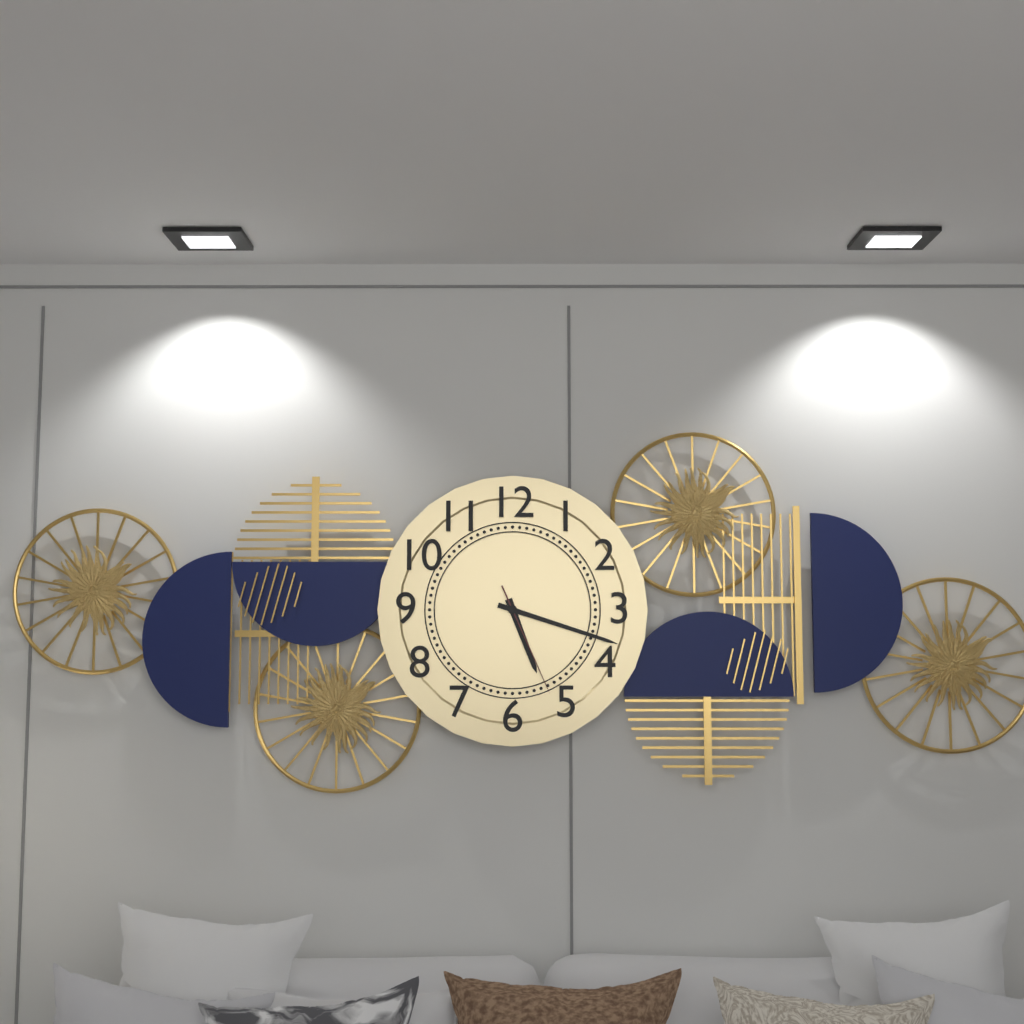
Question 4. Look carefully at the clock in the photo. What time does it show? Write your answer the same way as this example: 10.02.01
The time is 5.18.26
